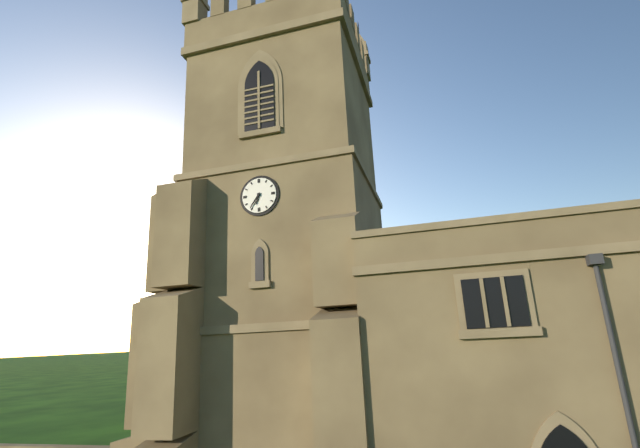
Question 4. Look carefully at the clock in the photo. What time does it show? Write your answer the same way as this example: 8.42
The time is 6.36
